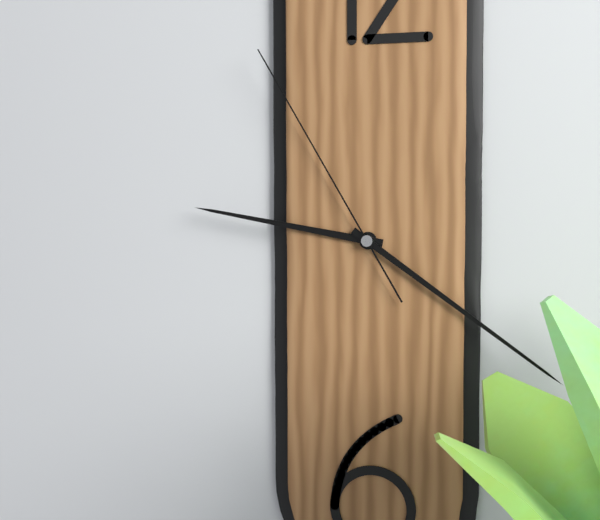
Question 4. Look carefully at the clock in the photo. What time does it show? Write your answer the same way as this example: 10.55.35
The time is 9.21.55
